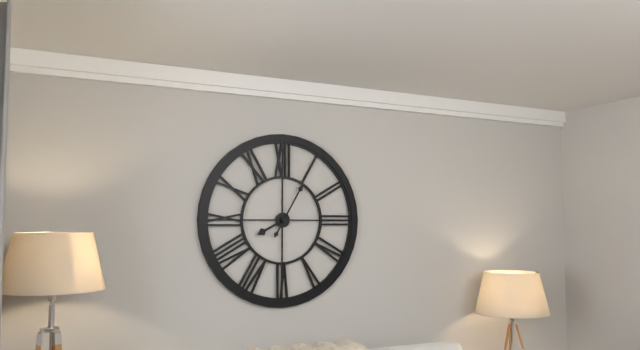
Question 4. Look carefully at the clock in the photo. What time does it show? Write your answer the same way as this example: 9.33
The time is 8.05
